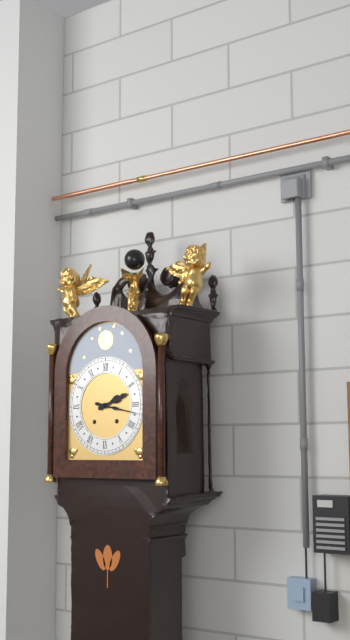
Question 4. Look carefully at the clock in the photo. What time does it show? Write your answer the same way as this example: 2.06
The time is 2.17
